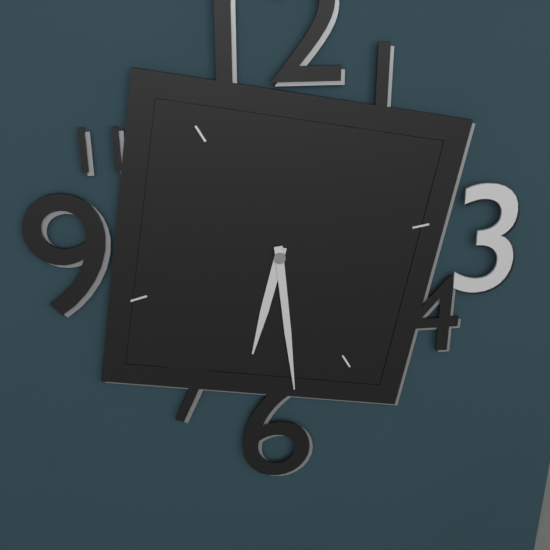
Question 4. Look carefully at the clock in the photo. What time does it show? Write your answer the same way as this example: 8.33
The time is 6.29
